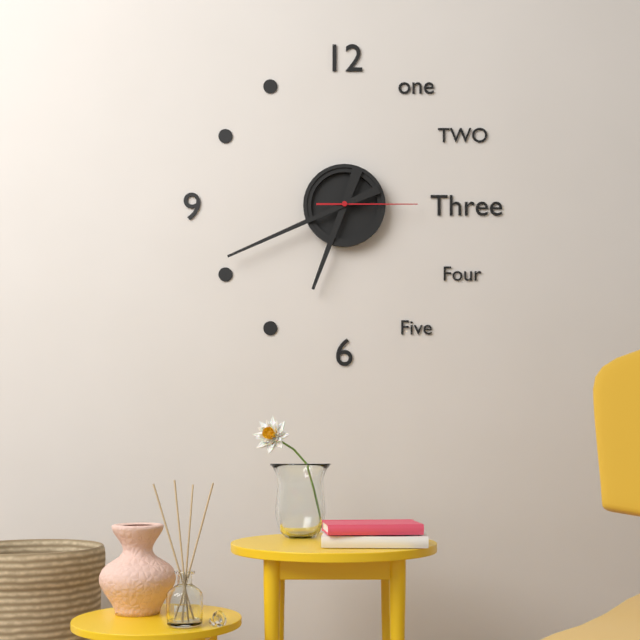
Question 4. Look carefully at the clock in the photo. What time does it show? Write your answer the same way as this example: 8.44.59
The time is 6.41.15
